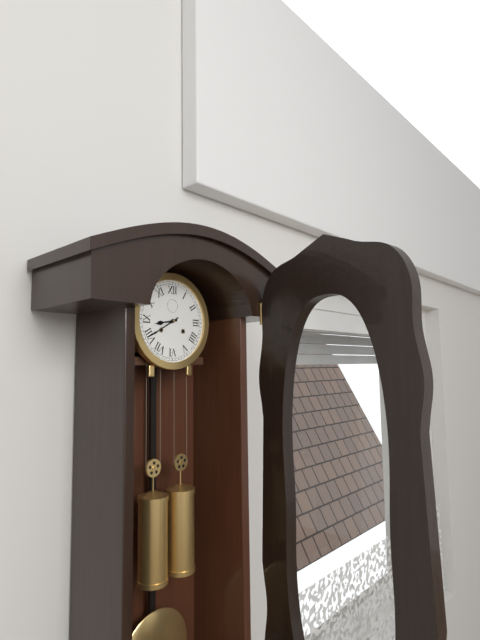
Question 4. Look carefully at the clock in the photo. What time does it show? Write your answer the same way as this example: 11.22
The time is 8.40
